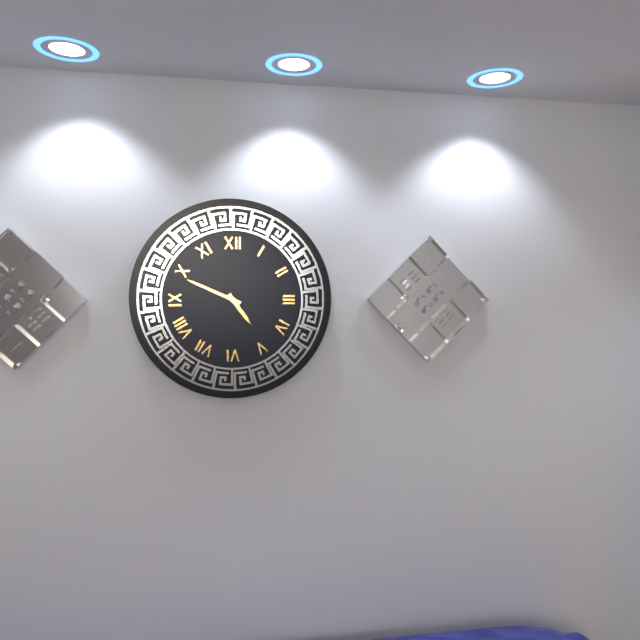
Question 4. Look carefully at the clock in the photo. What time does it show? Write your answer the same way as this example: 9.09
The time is 4.49
